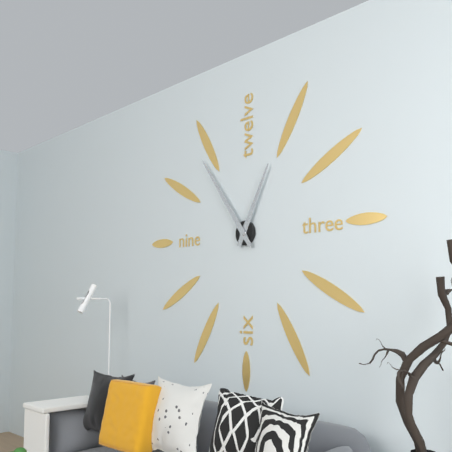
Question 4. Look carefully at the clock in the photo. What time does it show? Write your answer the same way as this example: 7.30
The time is 12.54
